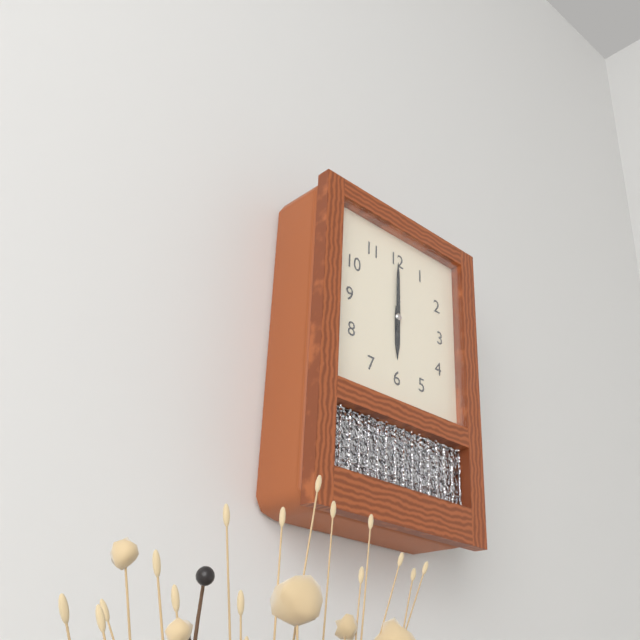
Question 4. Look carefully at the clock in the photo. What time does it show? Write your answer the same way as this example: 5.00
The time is 6.00
